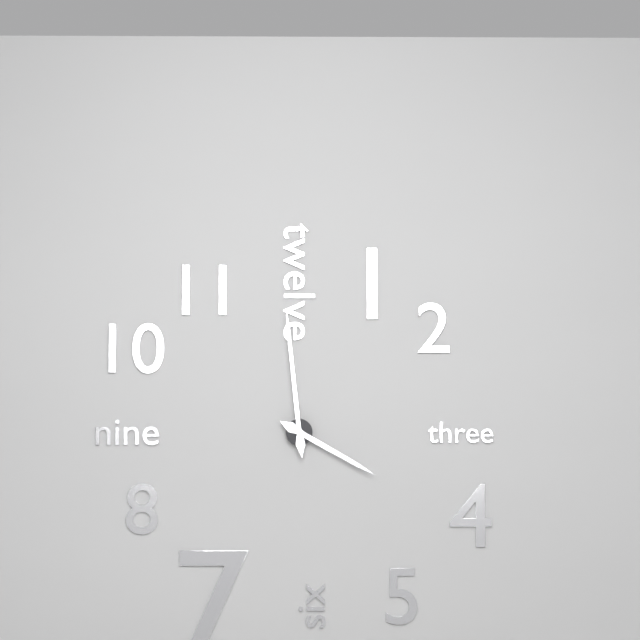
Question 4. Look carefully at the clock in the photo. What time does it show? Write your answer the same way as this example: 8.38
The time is 3.59
